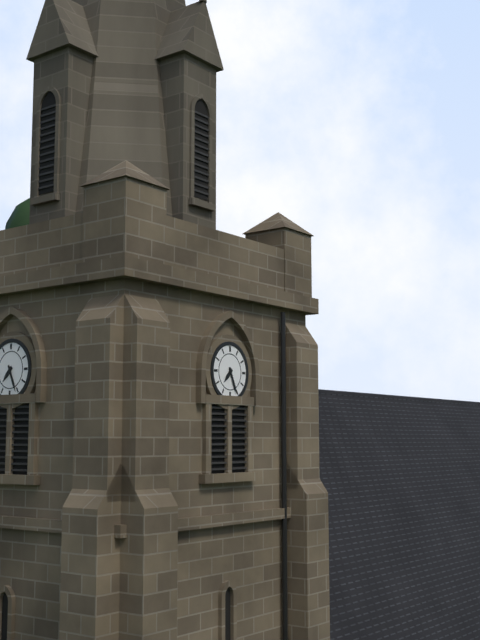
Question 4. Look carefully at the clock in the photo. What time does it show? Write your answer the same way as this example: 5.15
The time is 7.26
